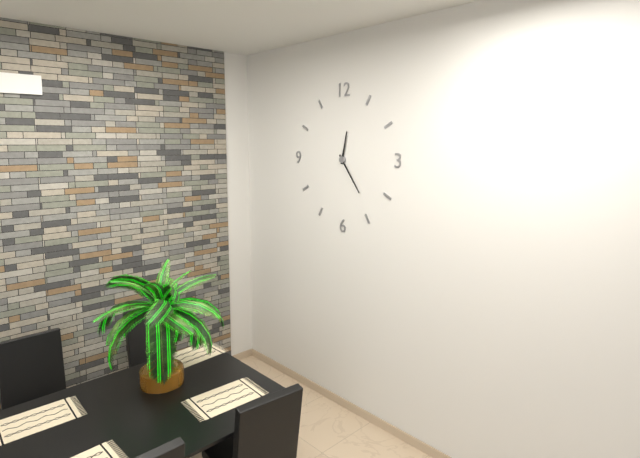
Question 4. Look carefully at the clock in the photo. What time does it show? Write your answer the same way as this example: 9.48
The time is 12.24
